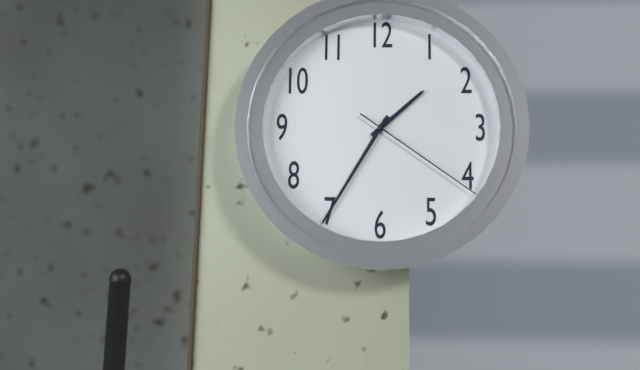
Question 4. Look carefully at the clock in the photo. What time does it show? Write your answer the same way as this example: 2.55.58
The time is 1.35.21
